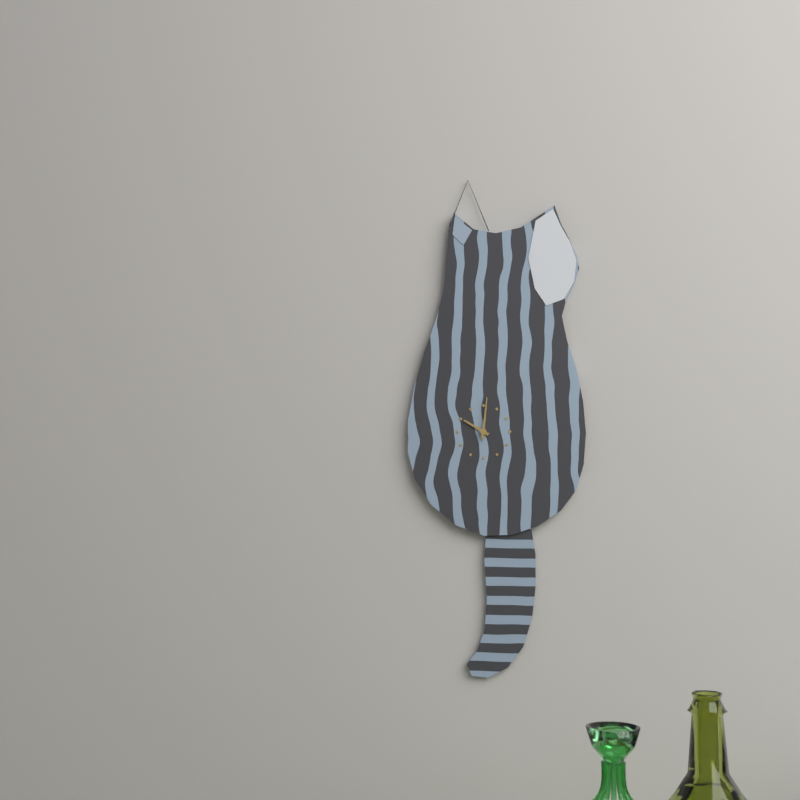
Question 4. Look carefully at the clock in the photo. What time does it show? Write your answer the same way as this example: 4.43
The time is 10.01
